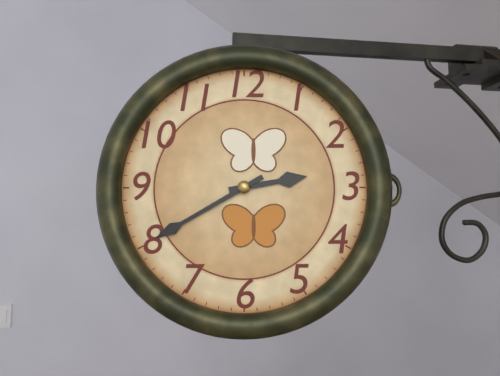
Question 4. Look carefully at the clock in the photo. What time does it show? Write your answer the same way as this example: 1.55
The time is 2.40
